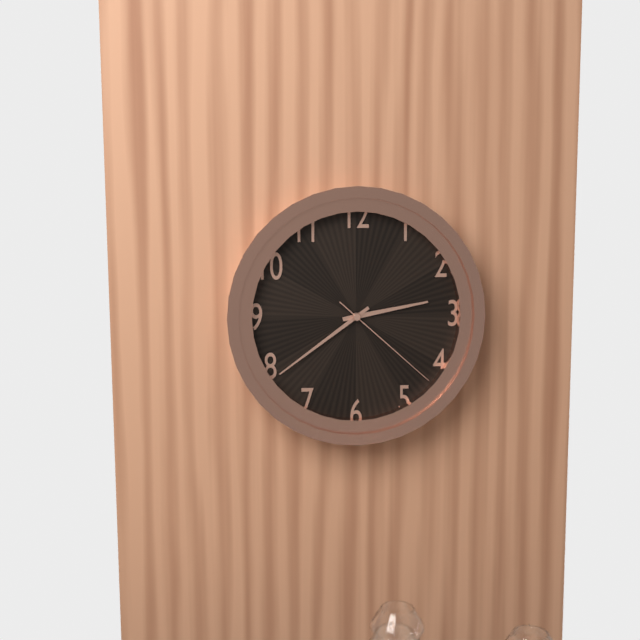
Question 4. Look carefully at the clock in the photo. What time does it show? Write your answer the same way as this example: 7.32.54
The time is 2.39.22
